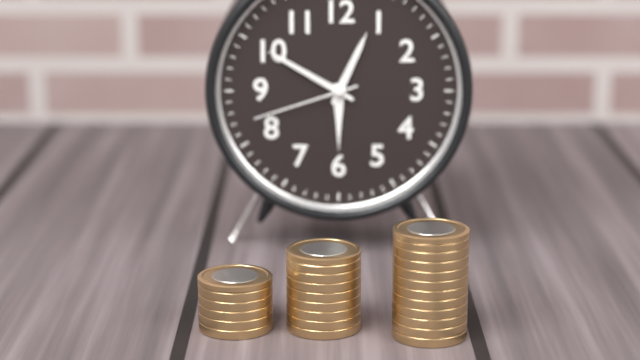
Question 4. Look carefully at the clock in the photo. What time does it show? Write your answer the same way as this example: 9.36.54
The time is 12.50.42
